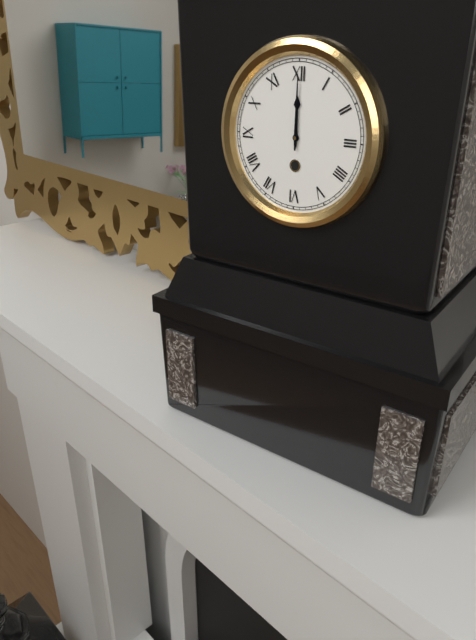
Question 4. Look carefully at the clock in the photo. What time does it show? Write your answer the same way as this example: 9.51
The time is 12.00
